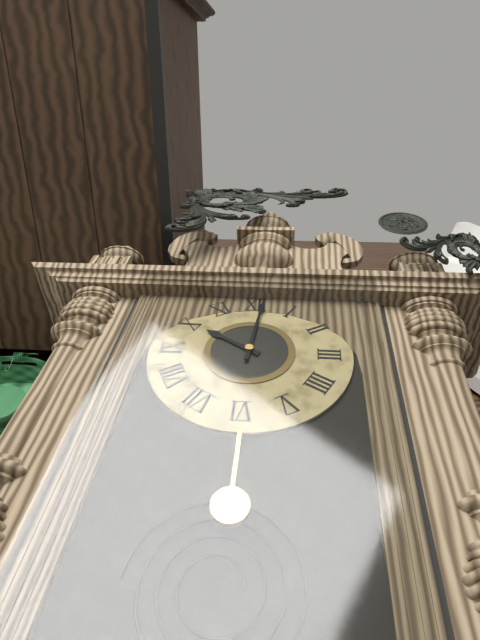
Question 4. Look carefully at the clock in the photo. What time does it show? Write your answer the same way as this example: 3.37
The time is 10.01
